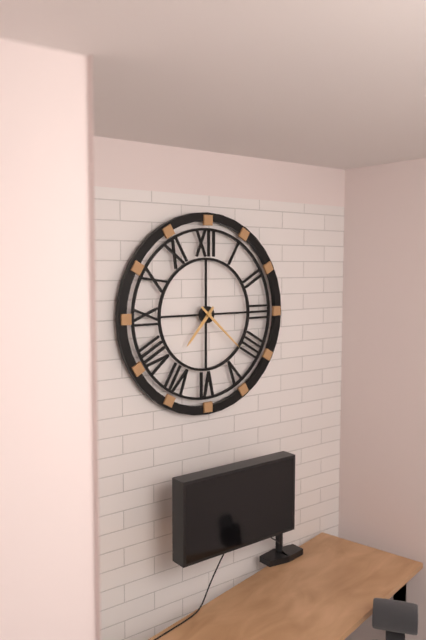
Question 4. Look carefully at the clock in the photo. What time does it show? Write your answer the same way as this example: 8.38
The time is 7.22
